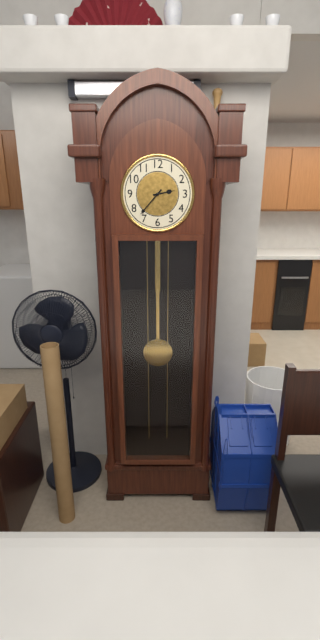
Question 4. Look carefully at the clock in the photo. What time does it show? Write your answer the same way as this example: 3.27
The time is 2.37
